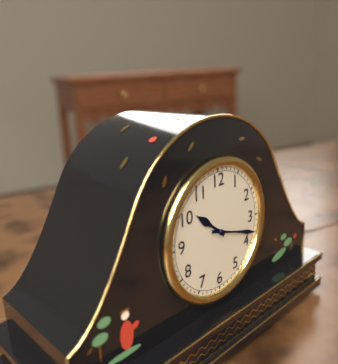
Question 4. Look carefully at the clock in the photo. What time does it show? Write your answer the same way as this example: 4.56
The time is 10.18
